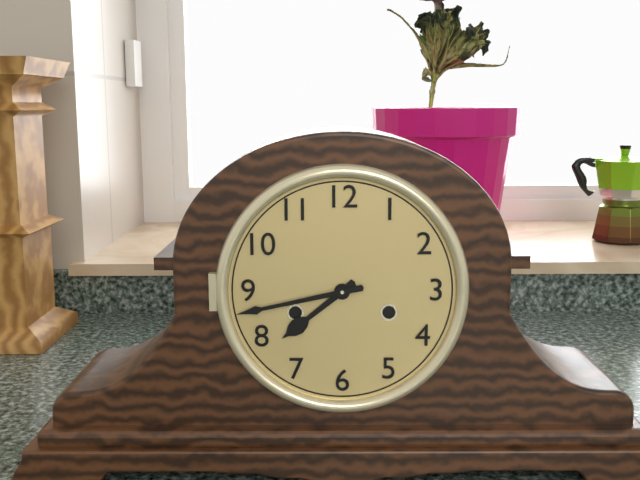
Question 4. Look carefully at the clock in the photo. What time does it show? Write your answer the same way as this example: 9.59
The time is 7.43
